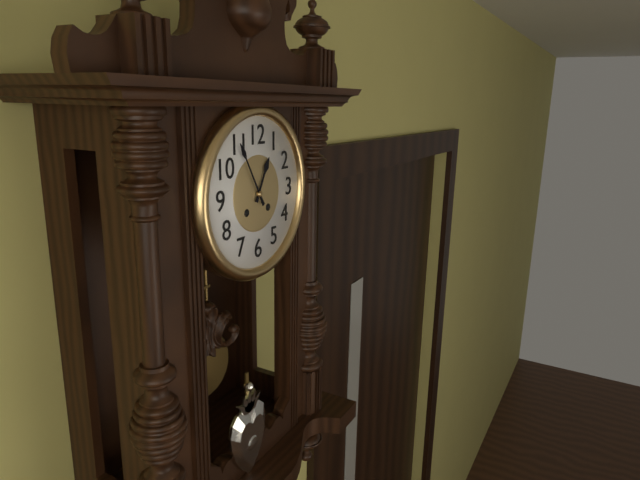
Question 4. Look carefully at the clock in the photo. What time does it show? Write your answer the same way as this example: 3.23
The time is 12.55
